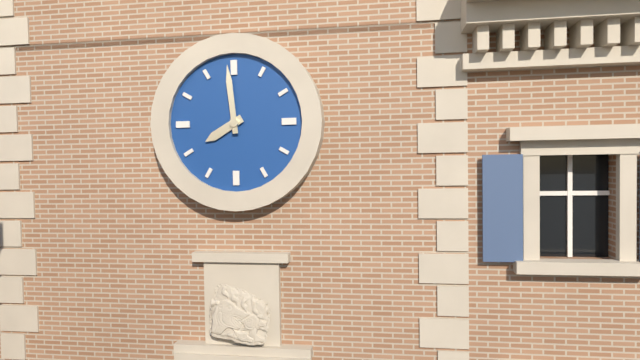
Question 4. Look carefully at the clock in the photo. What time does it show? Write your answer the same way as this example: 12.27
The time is 7.59
